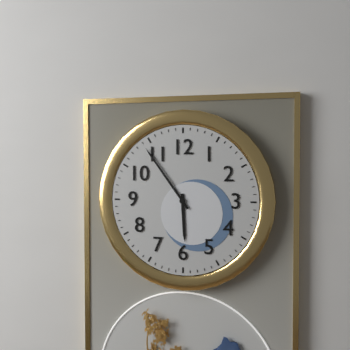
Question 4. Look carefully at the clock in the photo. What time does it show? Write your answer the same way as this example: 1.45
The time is 5.54
